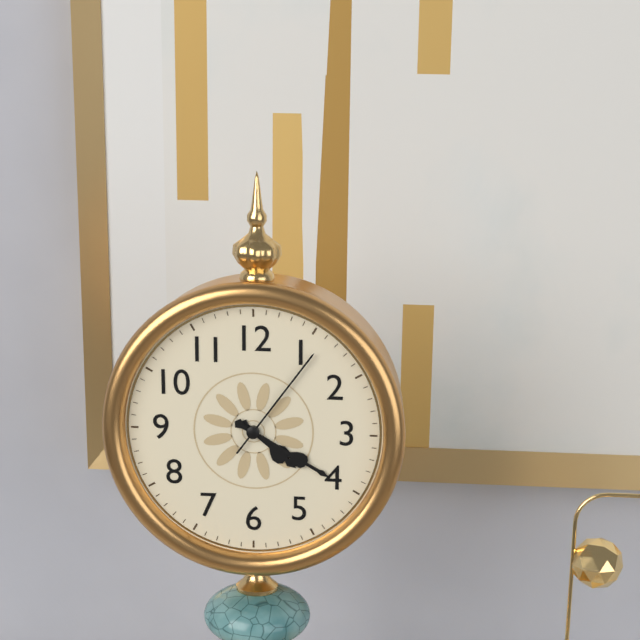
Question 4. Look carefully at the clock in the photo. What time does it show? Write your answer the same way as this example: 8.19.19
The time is 4.20.06
